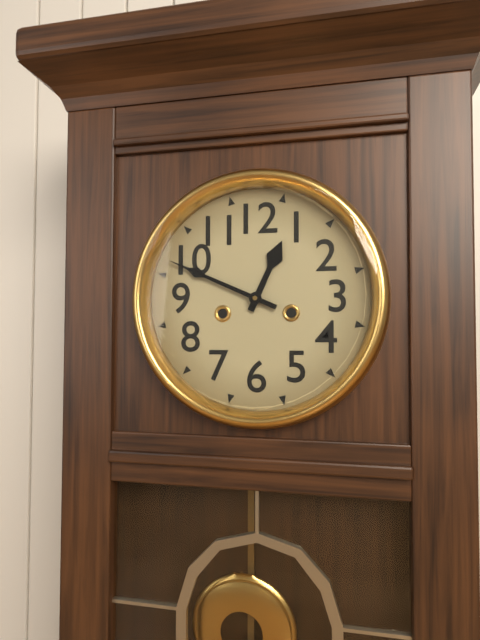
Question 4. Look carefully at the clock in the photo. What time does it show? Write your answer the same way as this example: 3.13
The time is 12.49
